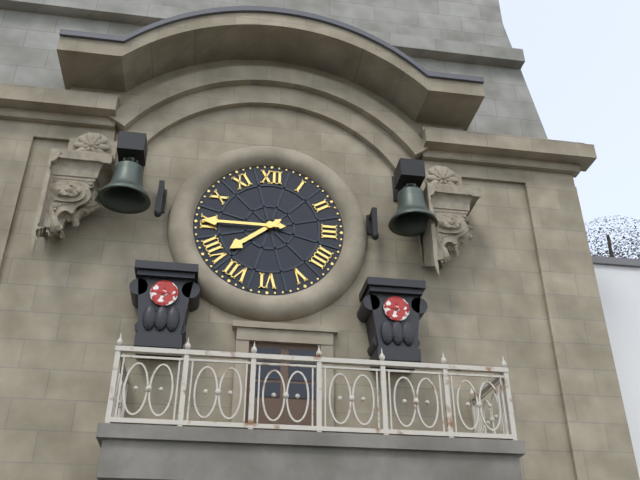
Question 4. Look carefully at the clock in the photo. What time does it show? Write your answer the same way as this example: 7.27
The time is 7.45
